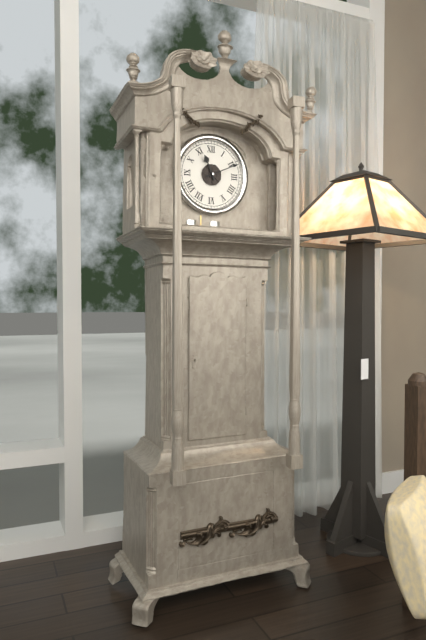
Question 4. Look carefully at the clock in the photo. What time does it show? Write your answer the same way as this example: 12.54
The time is 11.11
